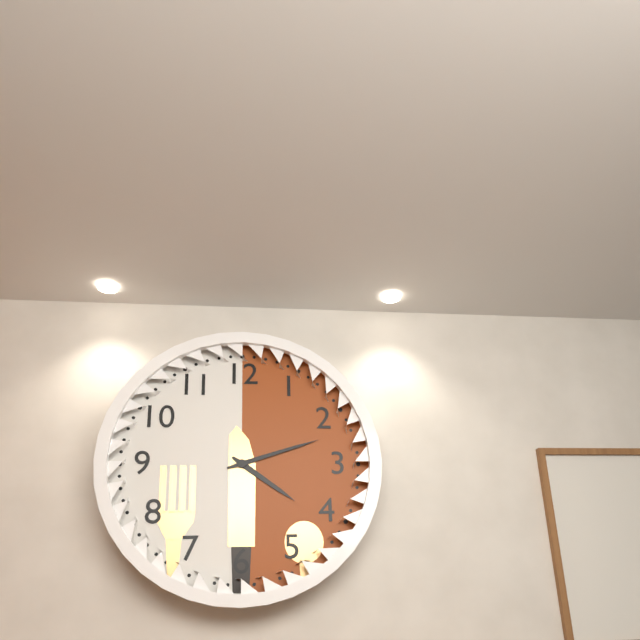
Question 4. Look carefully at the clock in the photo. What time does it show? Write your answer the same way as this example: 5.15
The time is 4.12
